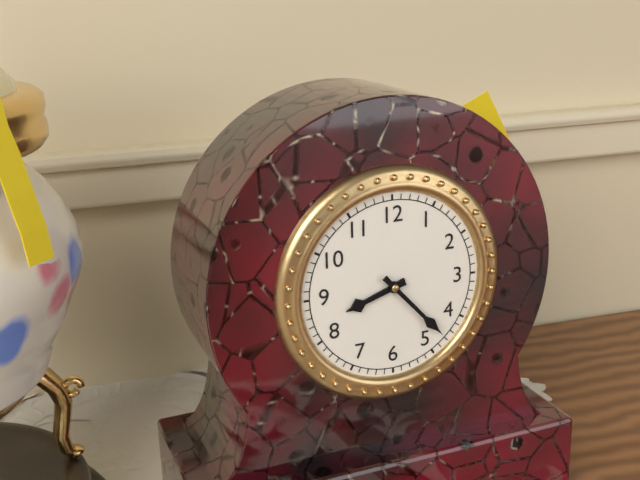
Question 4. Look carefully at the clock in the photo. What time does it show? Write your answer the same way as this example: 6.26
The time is 8.23
